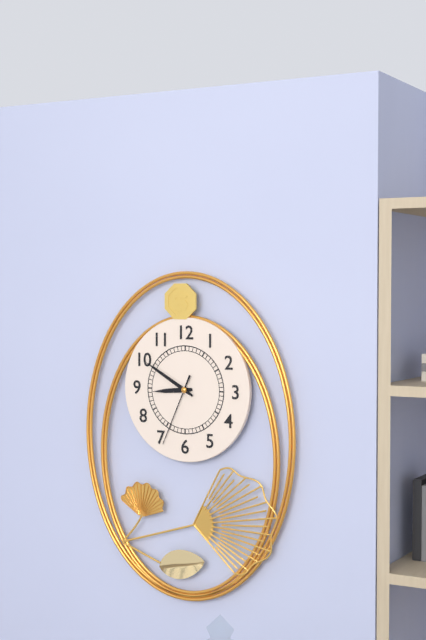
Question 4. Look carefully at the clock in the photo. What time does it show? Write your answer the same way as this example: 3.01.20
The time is 8.50.34
